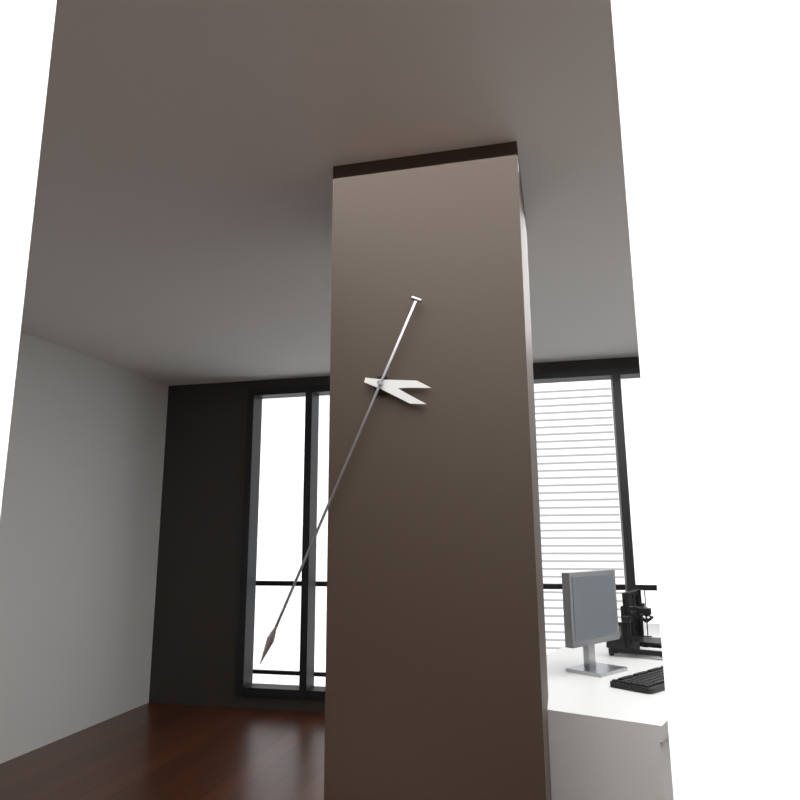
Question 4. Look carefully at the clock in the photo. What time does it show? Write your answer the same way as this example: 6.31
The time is 3.34
